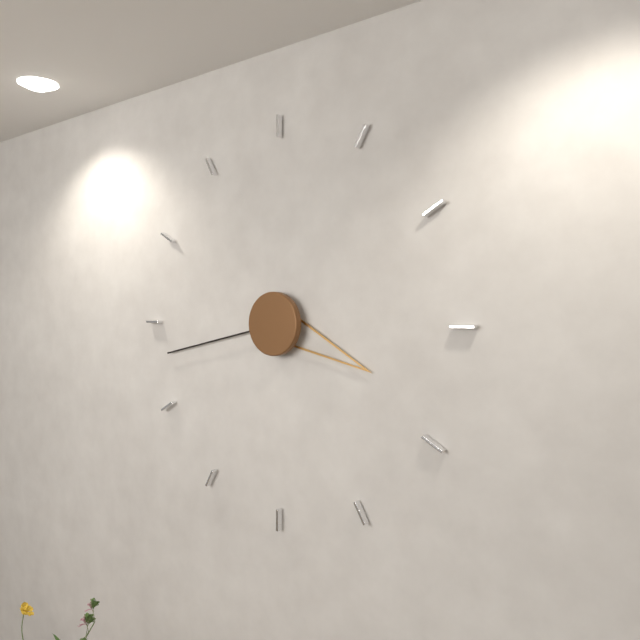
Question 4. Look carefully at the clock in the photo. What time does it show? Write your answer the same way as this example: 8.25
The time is 3.43
